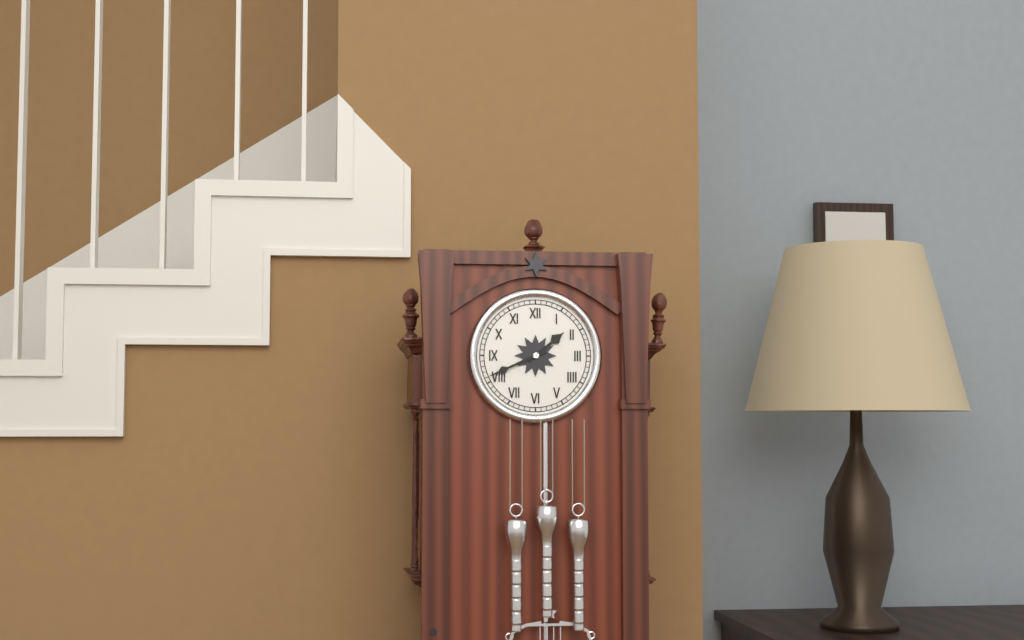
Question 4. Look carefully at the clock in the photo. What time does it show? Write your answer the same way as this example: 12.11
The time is 1.41
